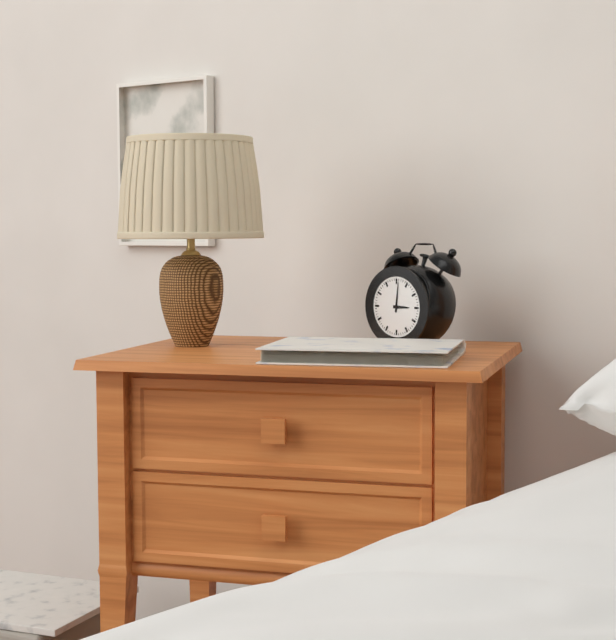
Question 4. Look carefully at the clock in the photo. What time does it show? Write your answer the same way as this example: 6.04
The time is 3.01
